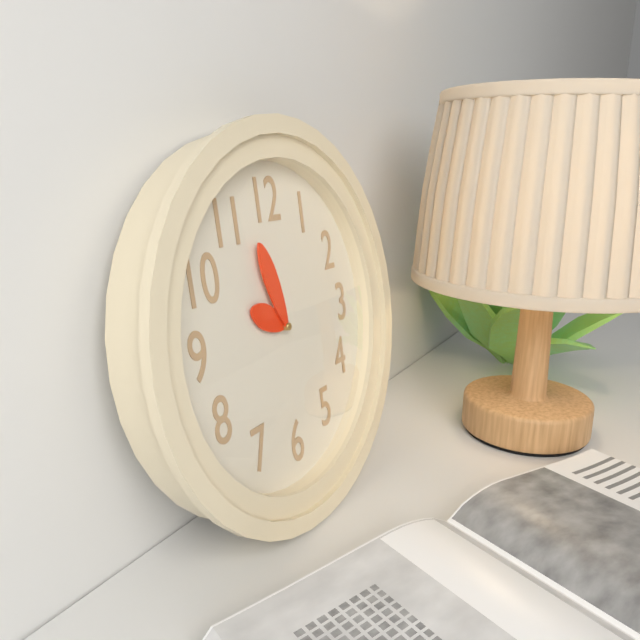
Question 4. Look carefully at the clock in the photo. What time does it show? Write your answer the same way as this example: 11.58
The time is 9.57
